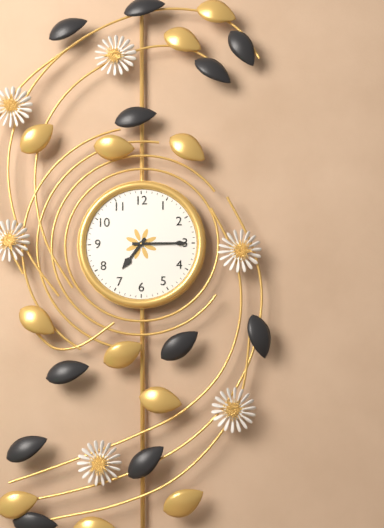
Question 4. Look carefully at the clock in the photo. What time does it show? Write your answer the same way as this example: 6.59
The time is 7.15
